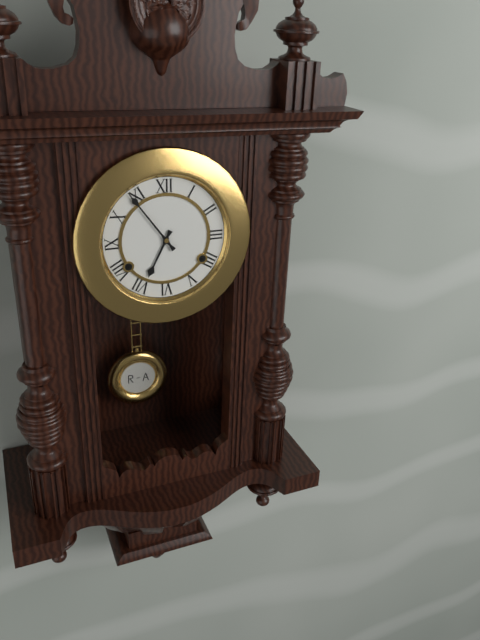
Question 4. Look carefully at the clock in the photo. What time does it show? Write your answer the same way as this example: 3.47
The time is 6.54
